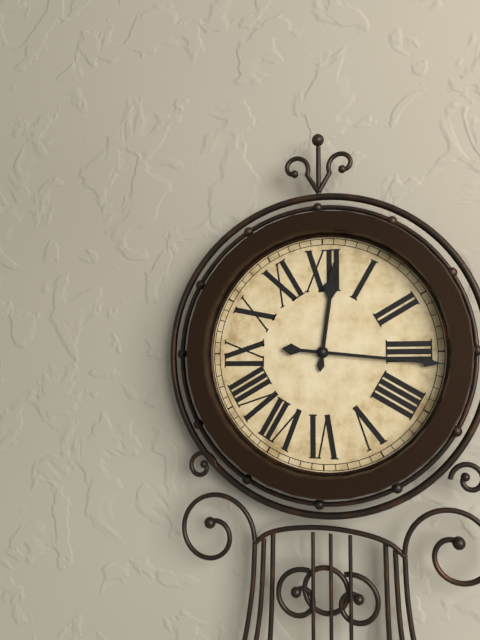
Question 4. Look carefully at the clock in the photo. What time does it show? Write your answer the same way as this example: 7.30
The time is 12.16
